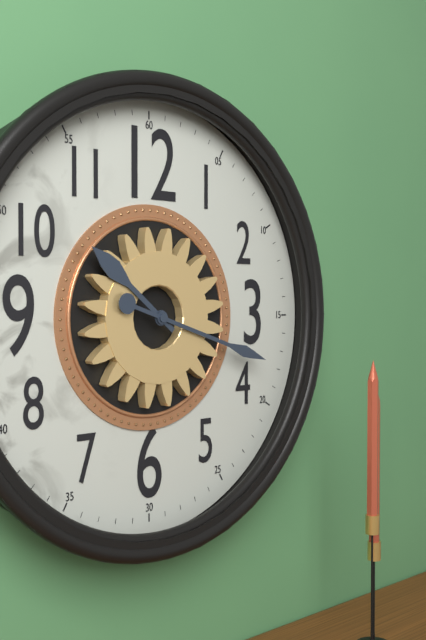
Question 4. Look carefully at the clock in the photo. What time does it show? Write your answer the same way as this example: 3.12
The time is 10.18
